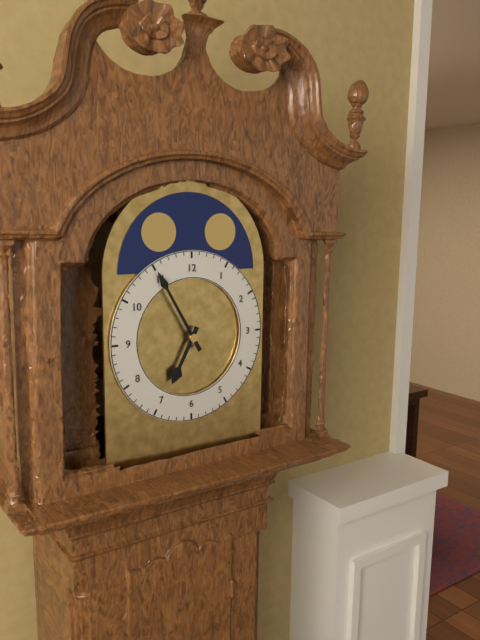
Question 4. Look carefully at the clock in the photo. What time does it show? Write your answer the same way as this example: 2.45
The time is 6.55
